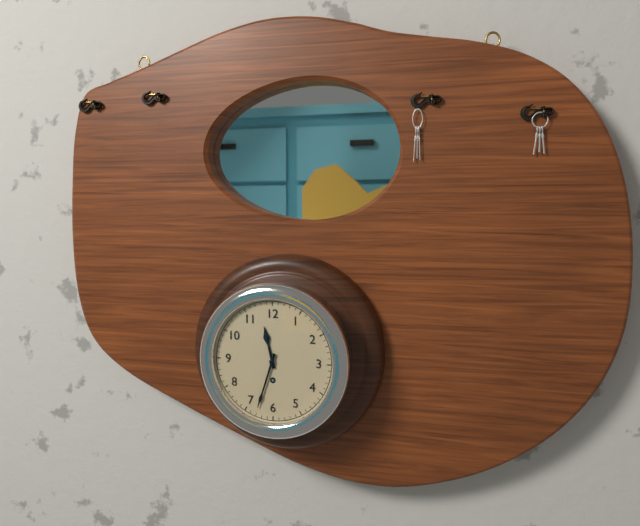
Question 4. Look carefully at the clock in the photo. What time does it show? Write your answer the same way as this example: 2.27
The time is 11.33
